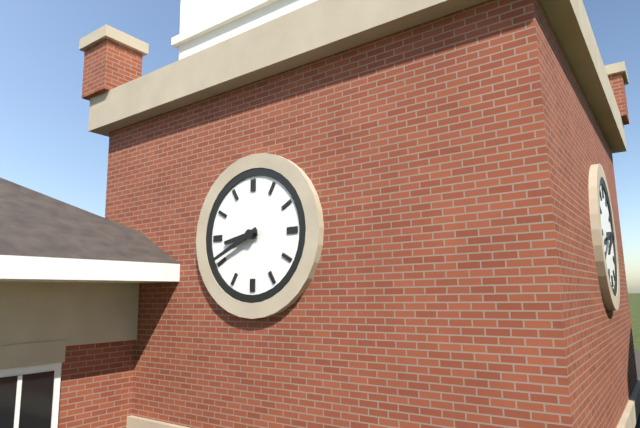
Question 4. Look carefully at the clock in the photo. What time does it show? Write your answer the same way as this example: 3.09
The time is 8.41
